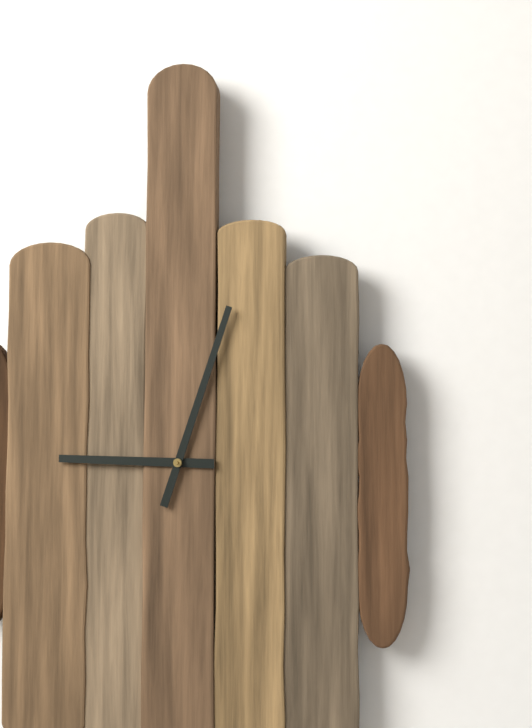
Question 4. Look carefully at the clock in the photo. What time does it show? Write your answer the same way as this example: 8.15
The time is 9.03
